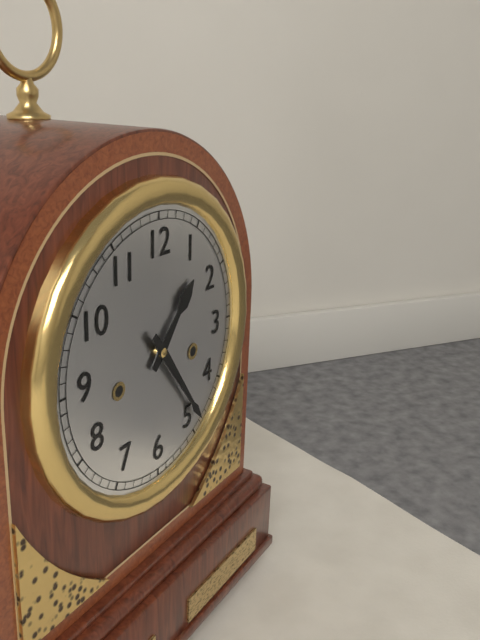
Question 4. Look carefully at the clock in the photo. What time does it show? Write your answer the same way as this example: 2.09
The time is 1.24
